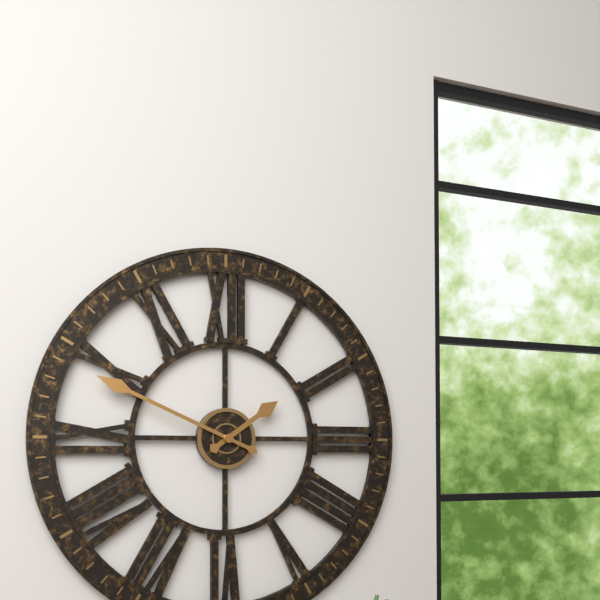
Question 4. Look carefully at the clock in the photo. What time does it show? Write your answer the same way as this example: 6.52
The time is 1.49
